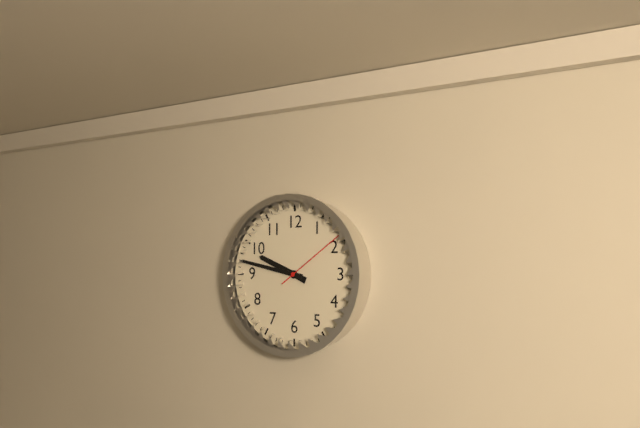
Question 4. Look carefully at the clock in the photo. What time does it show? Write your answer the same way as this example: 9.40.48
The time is 9.47.09
